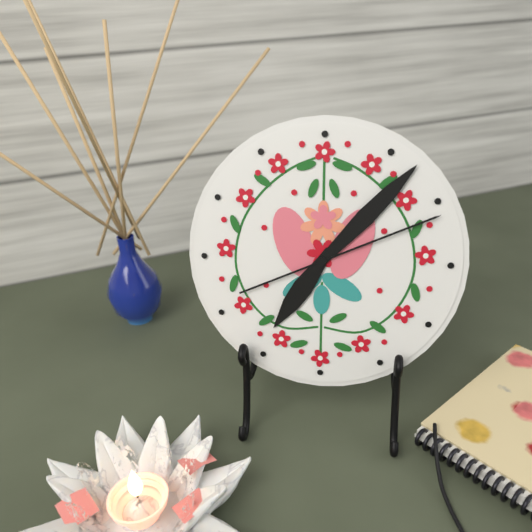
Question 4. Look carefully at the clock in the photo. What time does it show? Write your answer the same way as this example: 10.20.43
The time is 7.07.11
